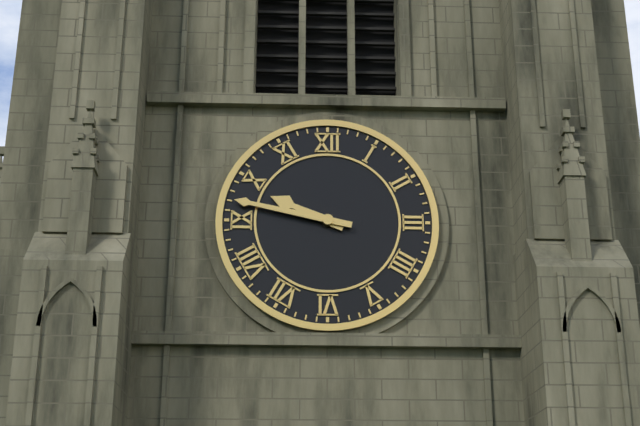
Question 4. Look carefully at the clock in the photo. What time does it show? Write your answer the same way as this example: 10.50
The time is 9.47
